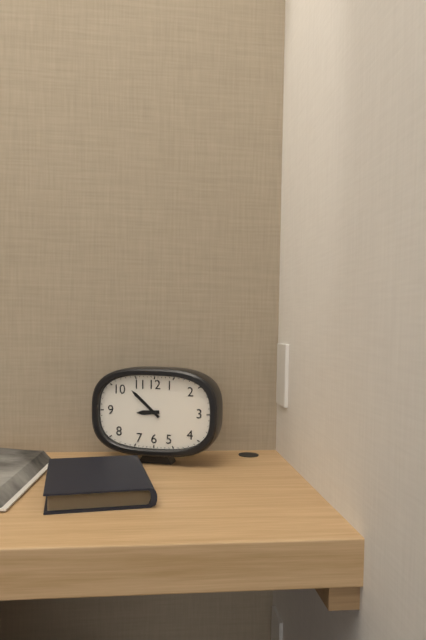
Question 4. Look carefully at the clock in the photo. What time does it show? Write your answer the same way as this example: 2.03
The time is 8.52
